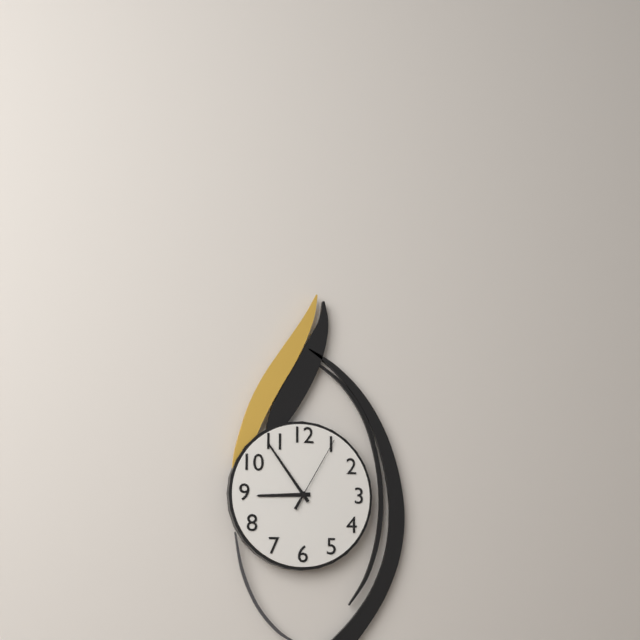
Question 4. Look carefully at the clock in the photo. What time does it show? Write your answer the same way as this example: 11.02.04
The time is 8.54.05
